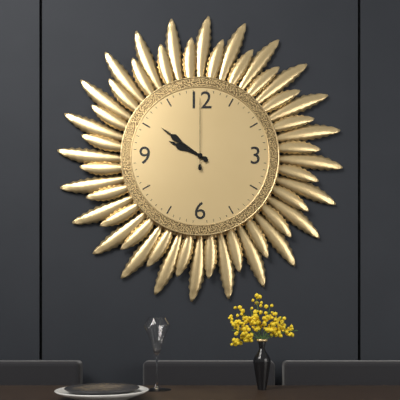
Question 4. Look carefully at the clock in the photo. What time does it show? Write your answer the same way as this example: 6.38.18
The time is 9.51.00
